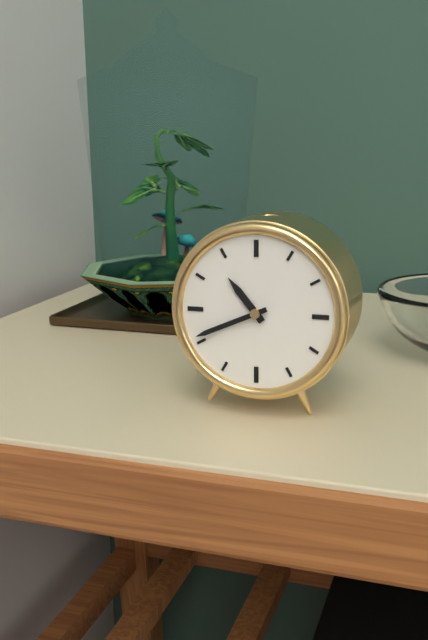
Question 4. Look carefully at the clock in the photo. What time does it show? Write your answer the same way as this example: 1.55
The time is 10.41
